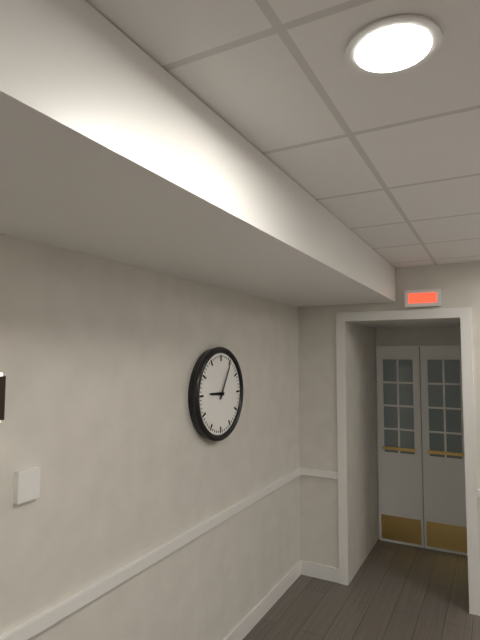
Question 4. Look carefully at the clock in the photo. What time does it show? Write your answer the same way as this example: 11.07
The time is 9.05
